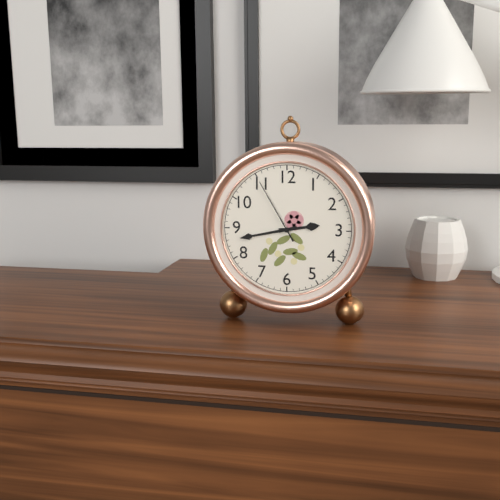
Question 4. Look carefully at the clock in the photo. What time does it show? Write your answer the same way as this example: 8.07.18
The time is 2.43.55
